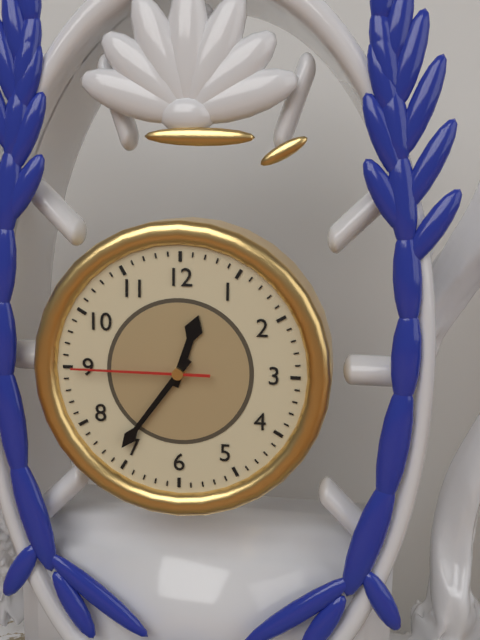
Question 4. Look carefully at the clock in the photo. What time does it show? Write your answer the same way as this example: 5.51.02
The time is 12.36.45
